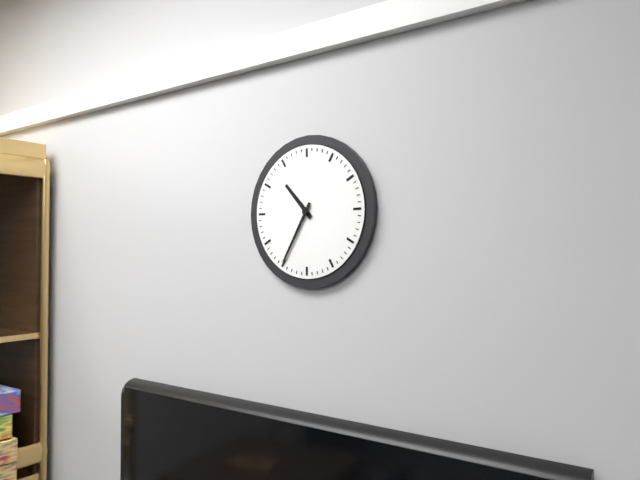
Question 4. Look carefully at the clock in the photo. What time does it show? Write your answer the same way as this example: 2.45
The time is 10.35
